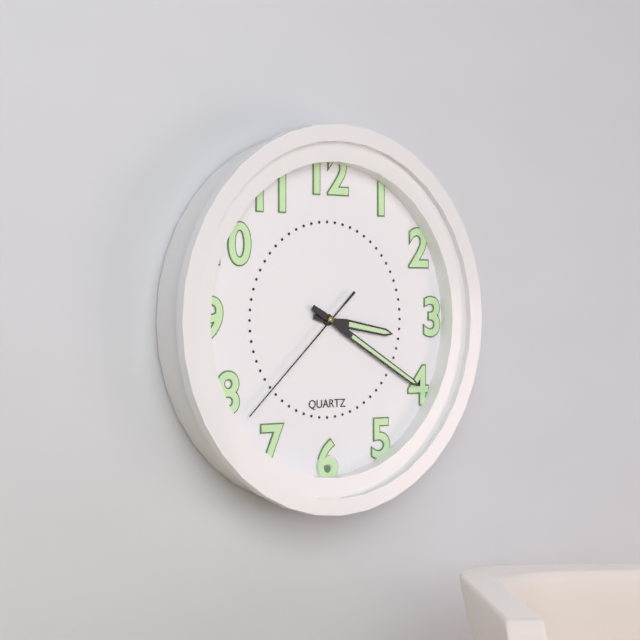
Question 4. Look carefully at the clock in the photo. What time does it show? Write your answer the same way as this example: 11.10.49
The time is 3.20.38
